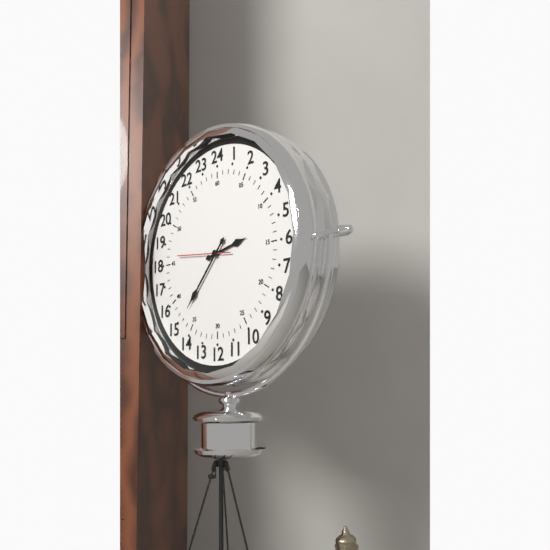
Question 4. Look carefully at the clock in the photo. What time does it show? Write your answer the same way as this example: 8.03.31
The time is 2.37.46
